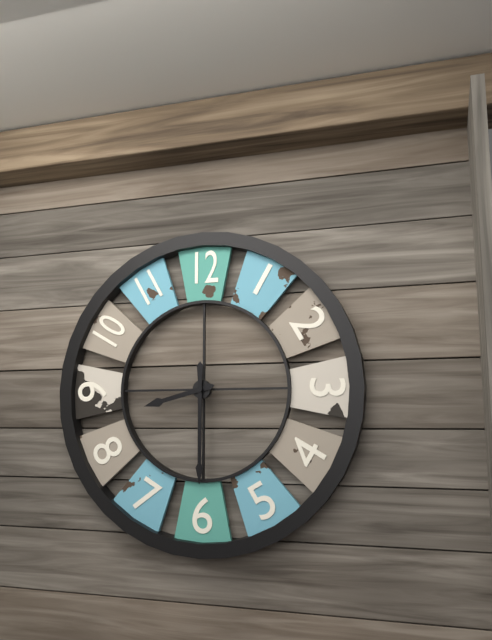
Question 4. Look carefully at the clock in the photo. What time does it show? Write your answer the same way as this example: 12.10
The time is 8.30
